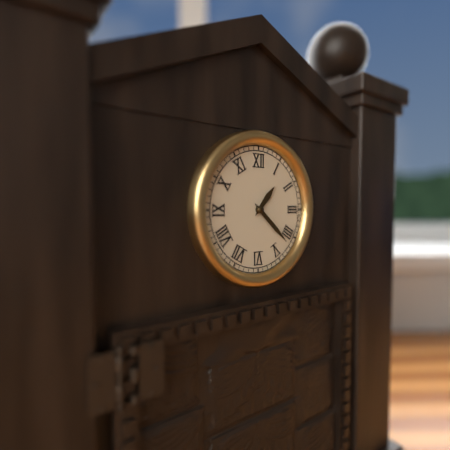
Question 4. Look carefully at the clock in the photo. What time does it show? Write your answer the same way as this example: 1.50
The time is 1.22
